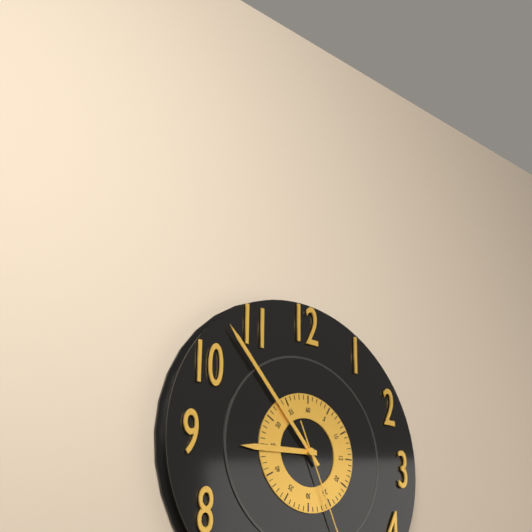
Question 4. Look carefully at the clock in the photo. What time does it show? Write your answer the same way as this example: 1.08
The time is 8.53
